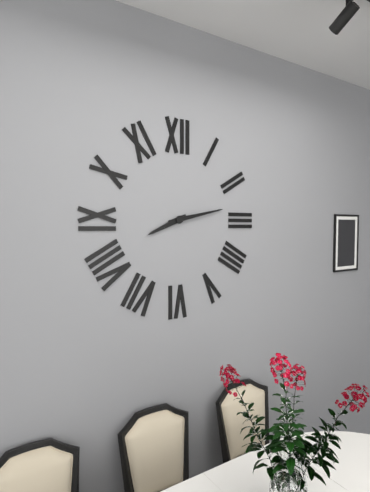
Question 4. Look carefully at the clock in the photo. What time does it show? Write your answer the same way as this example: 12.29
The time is 8.13
